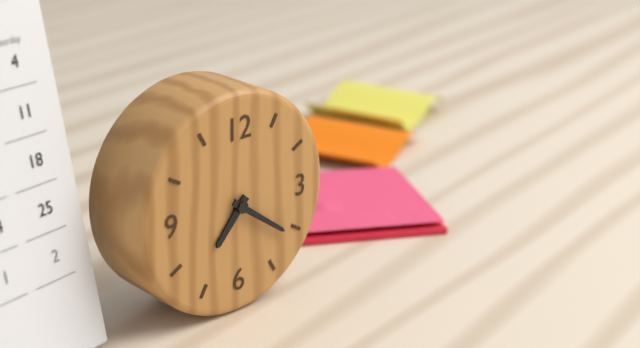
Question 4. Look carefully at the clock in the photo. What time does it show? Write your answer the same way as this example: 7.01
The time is 7.21
